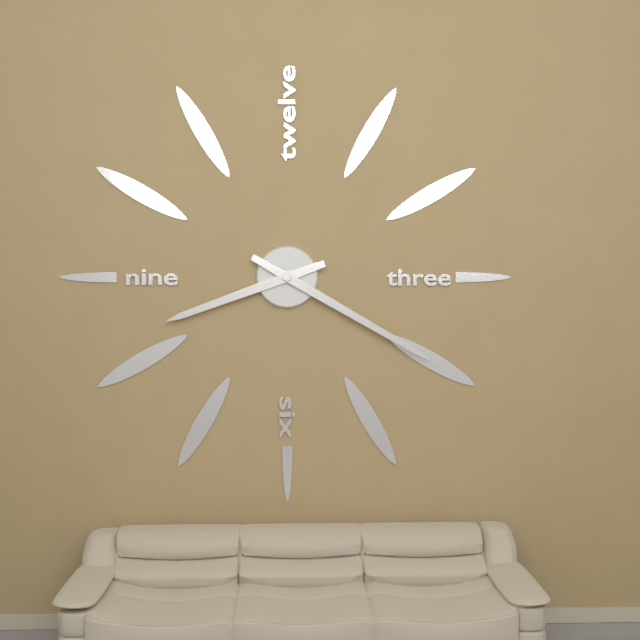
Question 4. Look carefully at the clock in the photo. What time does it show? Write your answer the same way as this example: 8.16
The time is 8.20
